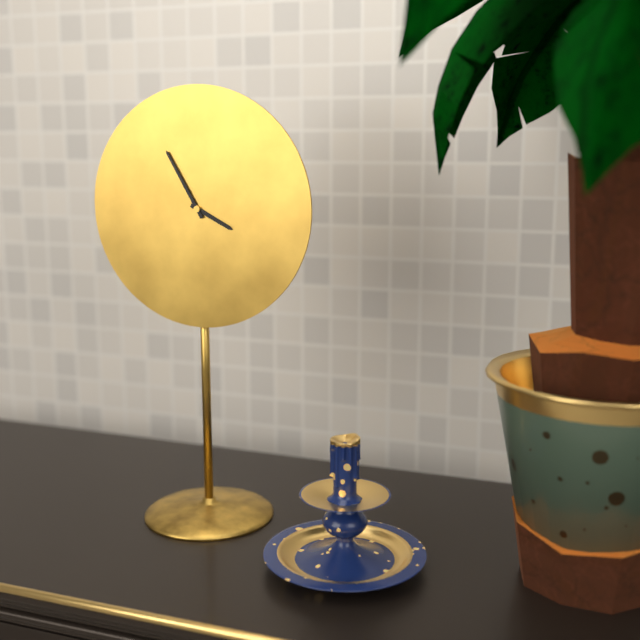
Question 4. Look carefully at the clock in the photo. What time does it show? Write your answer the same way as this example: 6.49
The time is 3.55
